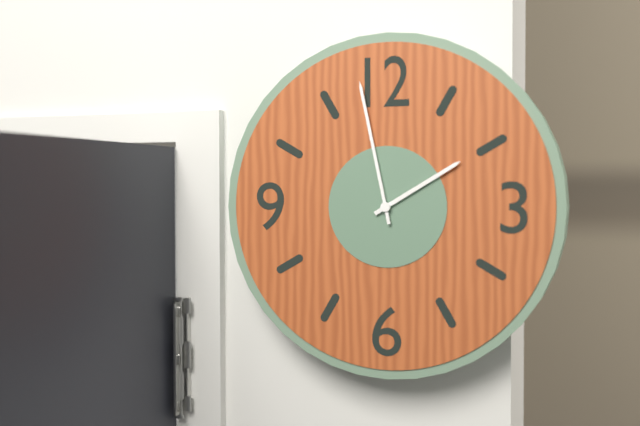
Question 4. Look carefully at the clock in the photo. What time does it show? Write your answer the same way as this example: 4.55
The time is 1.58
